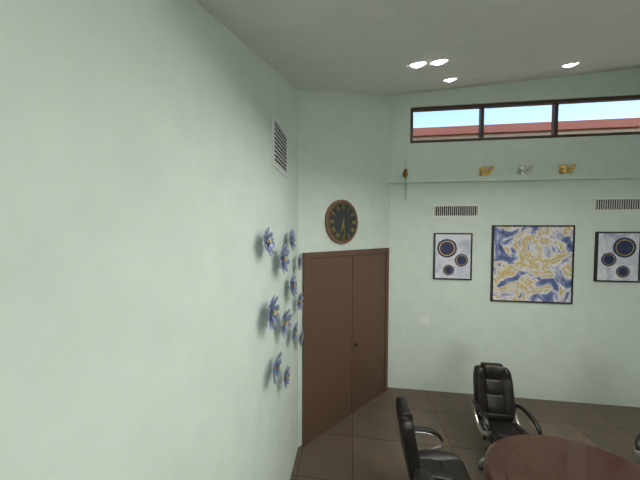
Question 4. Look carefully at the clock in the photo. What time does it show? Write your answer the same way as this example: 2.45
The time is 6.29
